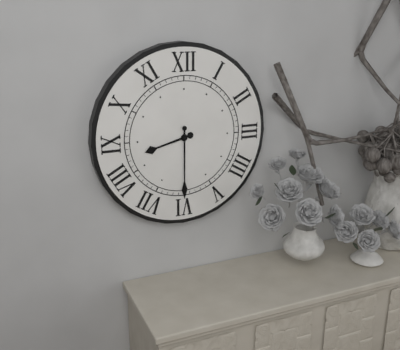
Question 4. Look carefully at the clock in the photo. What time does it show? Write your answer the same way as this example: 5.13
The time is 8.30
